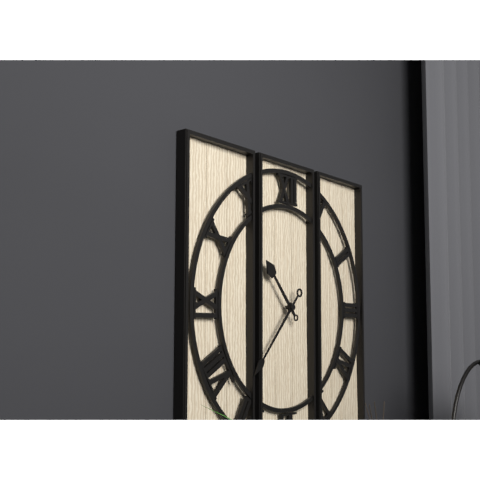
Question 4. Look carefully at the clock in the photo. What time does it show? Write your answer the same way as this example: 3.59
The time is 10.37
